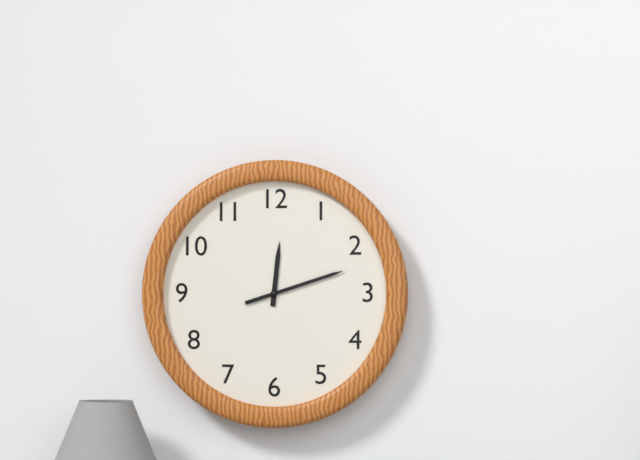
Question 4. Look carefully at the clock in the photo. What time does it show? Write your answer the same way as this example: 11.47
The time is 12.12
